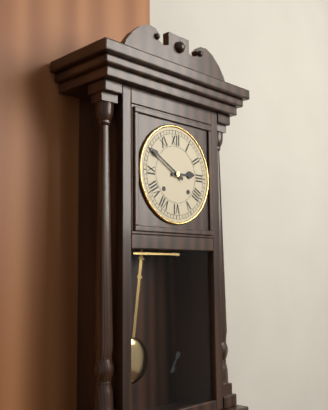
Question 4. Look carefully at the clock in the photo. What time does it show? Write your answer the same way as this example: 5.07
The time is 2.50
